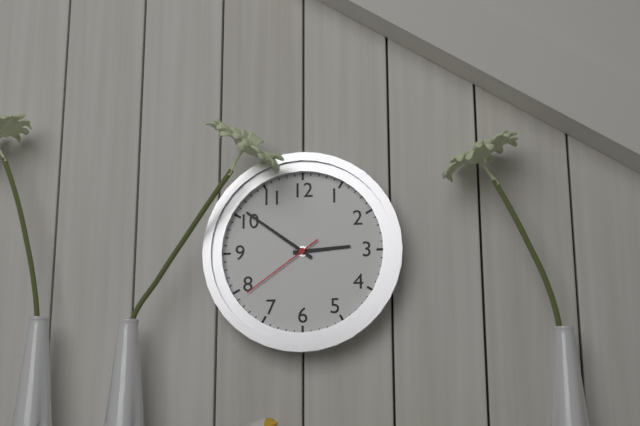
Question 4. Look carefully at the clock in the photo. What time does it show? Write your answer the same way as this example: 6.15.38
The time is 2.51.39
